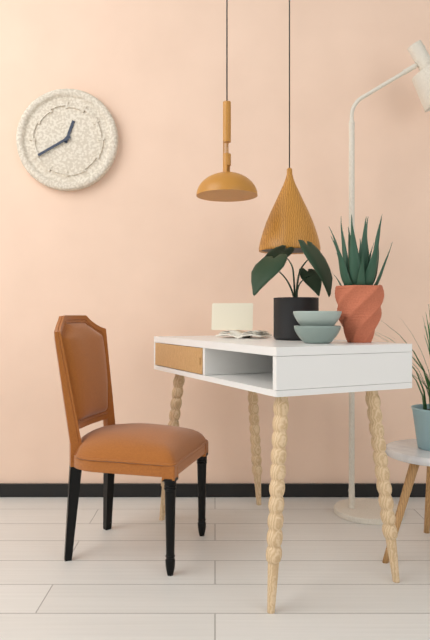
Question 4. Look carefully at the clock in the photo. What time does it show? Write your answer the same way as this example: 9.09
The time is 12.40
